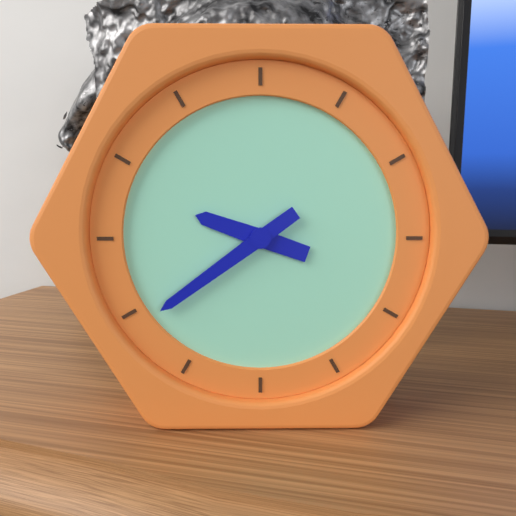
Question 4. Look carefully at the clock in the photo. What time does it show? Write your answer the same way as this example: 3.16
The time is 9.39
